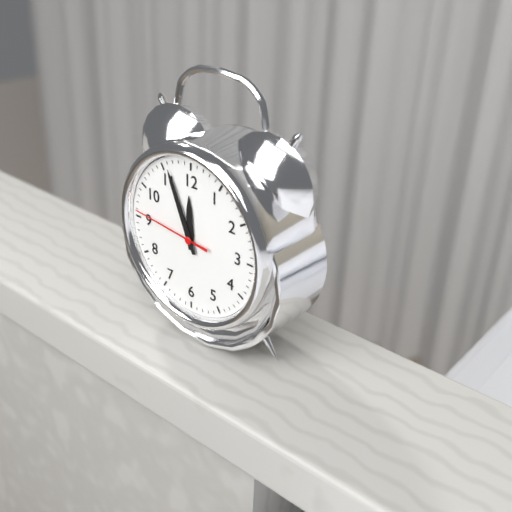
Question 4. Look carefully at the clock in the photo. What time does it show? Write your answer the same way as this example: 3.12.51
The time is 11.56.46
